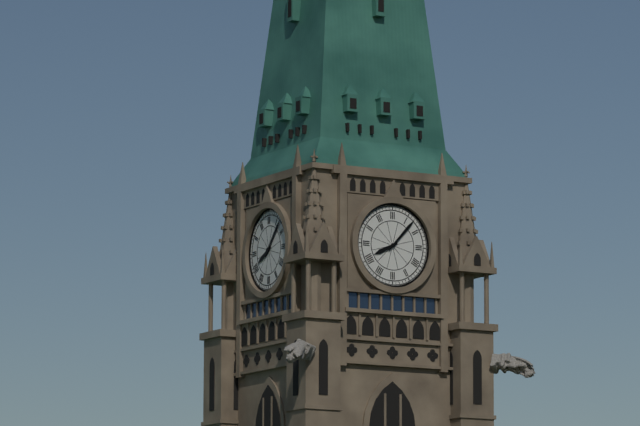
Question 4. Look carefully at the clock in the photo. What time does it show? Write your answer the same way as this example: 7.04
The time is 8.07
